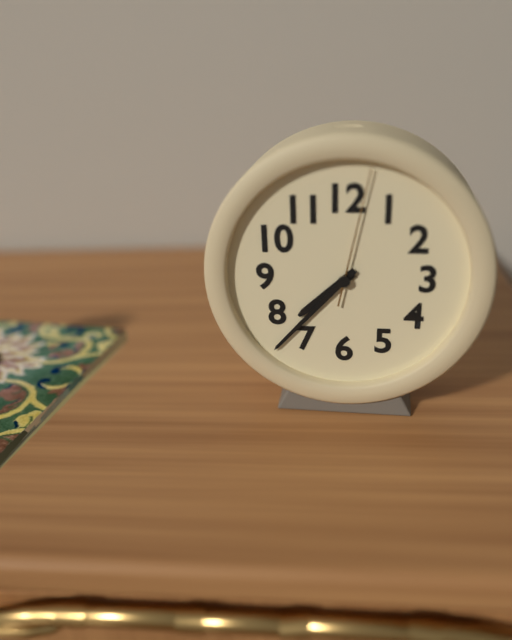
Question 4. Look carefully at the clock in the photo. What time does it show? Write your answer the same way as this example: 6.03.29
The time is 7.37.02
